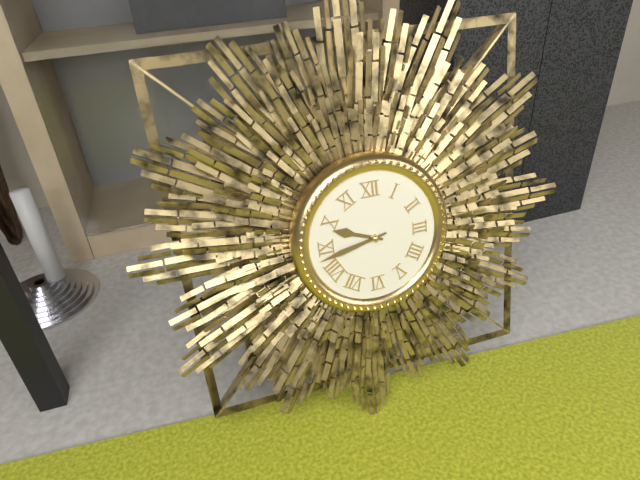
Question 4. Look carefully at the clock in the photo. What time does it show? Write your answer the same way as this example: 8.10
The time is 9.43
